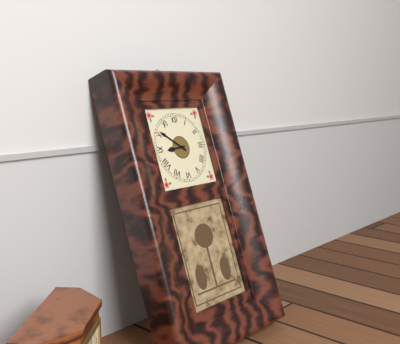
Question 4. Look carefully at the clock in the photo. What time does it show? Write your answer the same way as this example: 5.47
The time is 8.51
